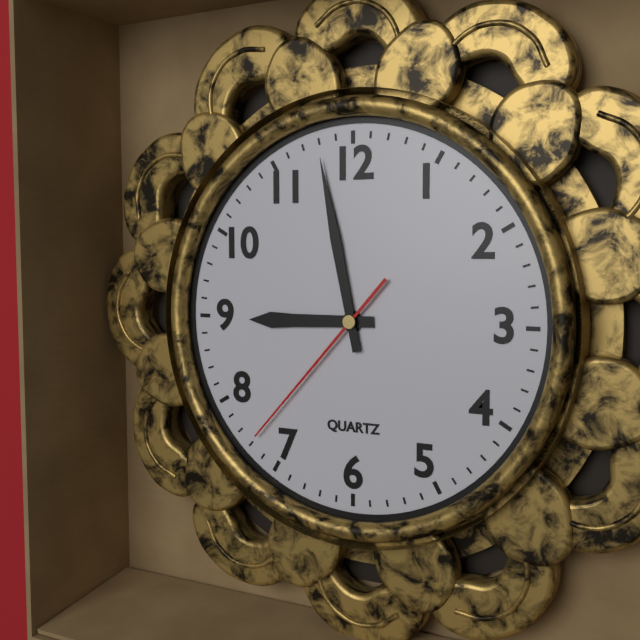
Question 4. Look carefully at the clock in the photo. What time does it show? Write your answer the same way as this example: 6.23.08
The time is 8.58.37
